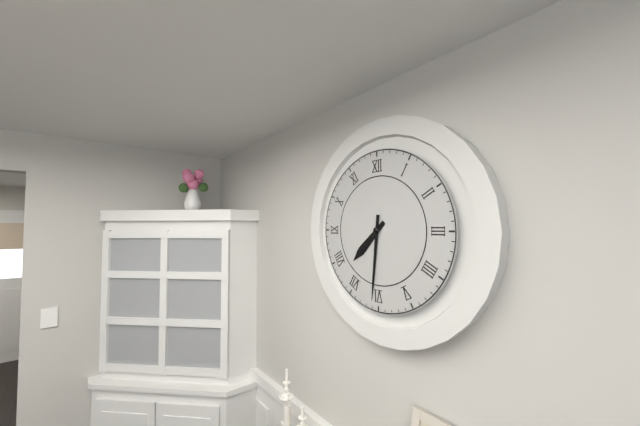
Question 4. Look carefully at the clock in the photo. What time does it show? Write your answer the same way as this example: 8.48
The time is 7.31
